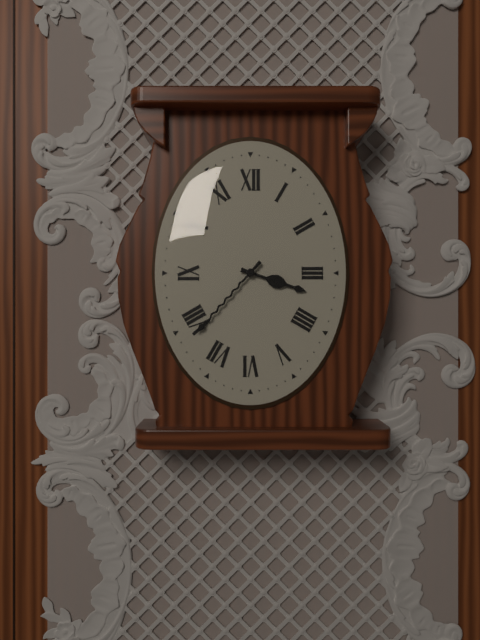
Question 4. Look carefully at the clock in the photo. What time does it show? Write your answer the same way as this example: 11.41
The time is 3.37
